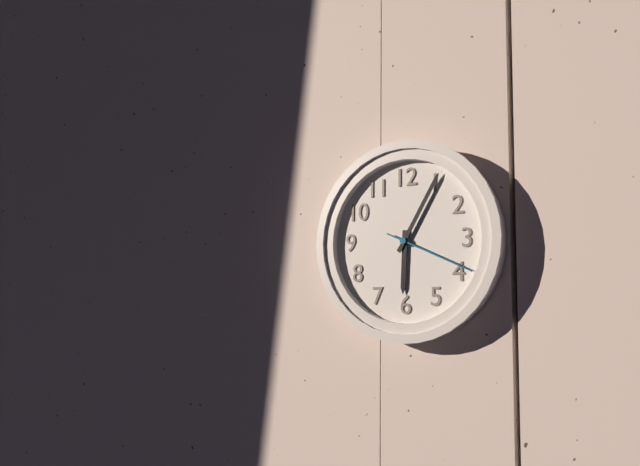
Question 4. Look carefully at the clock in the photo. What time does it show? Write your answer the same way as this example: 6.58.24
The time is 6.05.19
